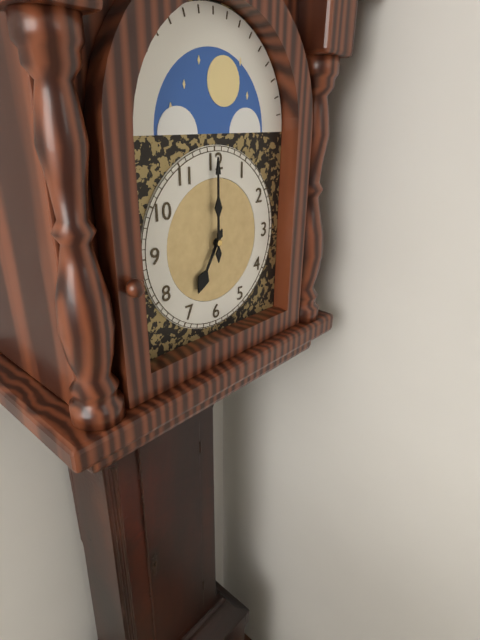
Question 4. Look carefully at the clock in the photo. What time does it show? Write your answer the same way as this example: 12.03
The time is 7.00
